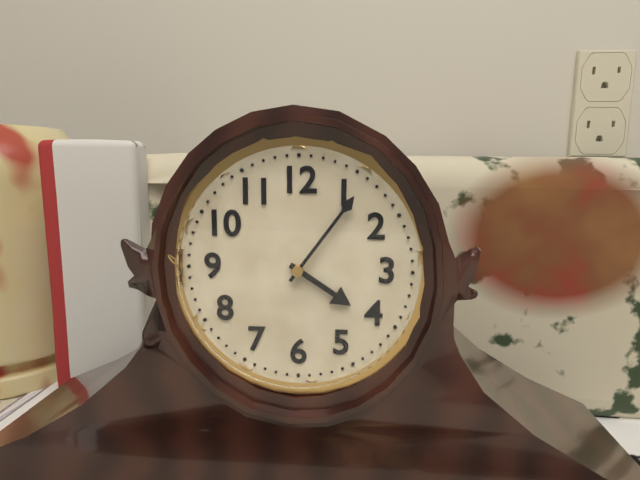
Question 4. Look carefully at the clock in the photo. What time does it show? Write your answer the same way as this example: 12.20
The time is 4.06
